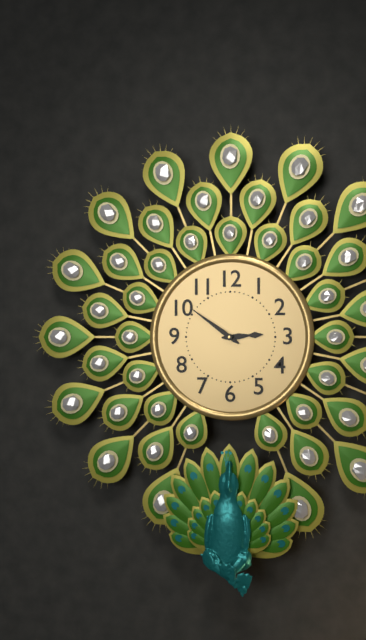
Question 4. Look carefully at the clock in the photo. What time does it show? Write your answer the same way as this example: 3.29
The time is 2.51
